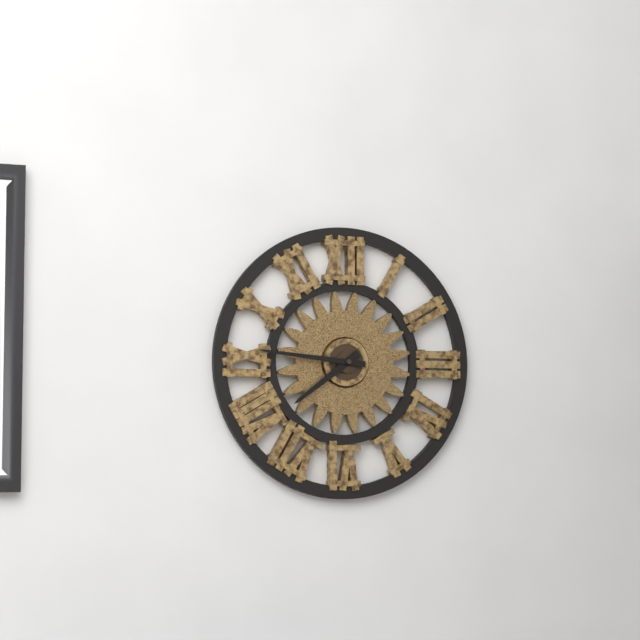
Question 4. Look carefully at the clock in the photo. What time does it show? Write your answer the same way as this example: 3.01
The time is 7.46
